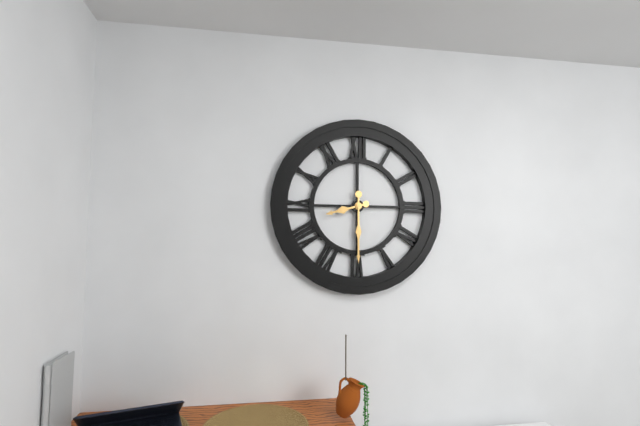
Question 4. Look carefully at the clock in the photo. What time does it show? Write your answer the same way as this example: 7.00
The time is 8.30
